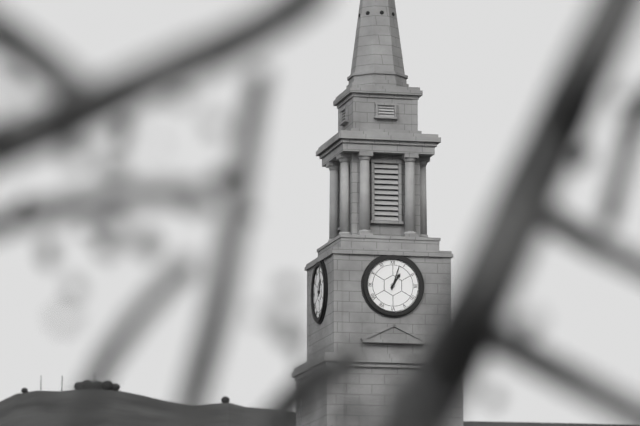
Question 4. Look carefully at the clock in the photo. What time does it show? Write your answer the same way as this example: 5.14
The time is 1.03
